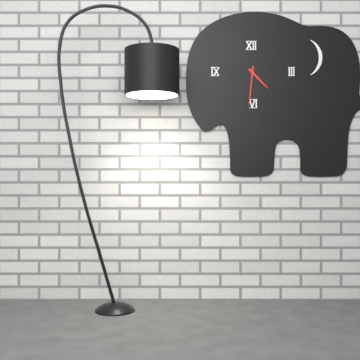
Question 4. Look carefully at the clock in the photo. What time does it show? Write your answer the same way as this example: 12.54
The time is 4.31
